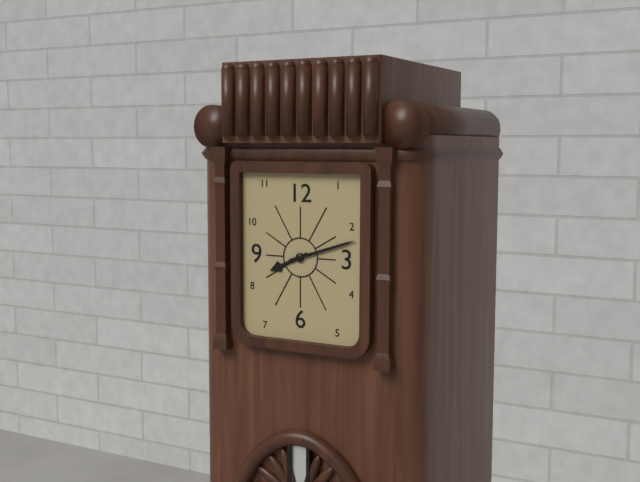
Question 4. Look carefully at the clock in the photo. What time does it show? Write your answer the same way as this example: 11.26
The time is 8.12
